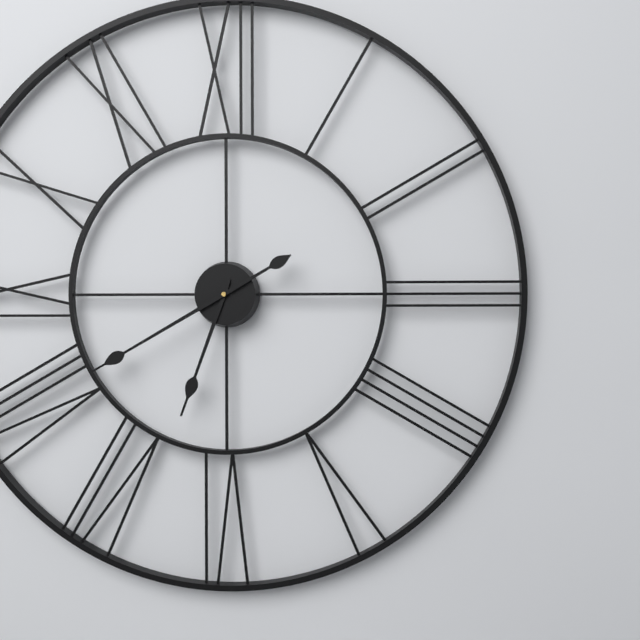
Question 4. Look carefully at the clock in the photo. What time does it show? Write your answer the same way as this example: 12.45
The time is 6.40
